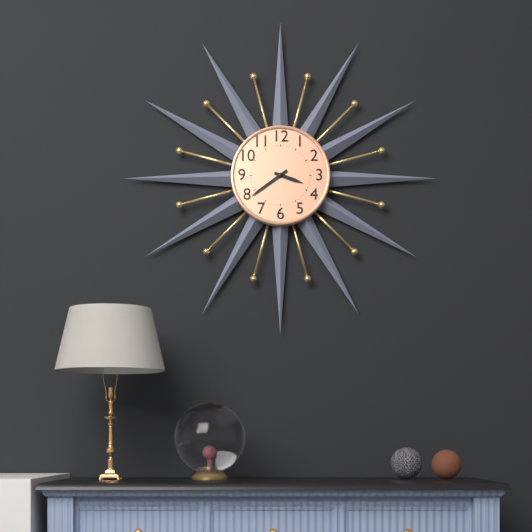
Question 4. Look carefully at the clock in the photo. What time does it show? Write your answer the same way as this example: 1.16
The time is 3.39
